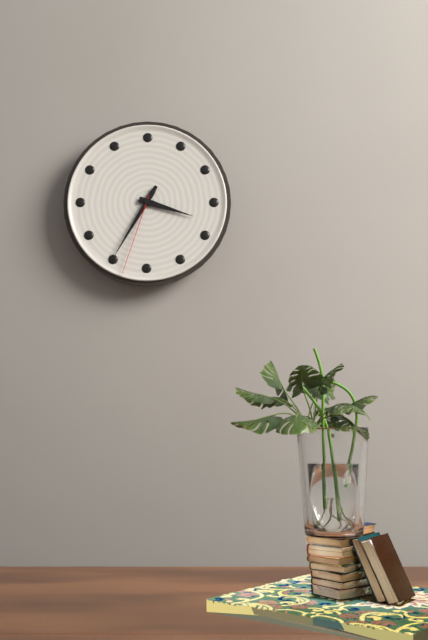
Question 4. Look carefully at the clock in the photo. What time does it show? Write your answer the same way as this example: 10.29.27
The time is 3.35.33
